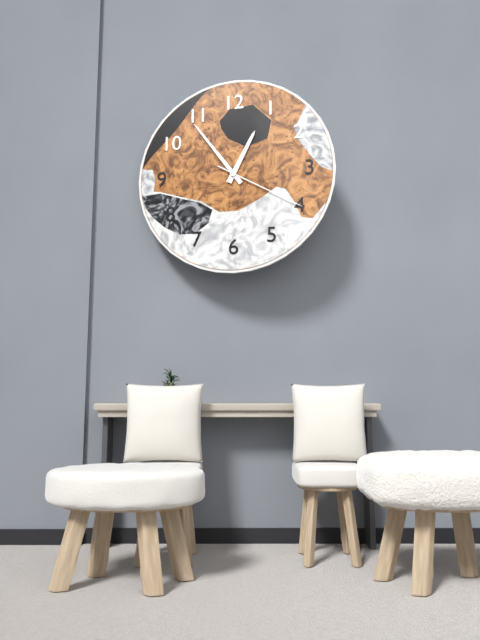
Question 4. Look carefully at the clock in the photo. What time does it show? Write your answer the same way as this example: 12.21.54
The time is 12.54.20
